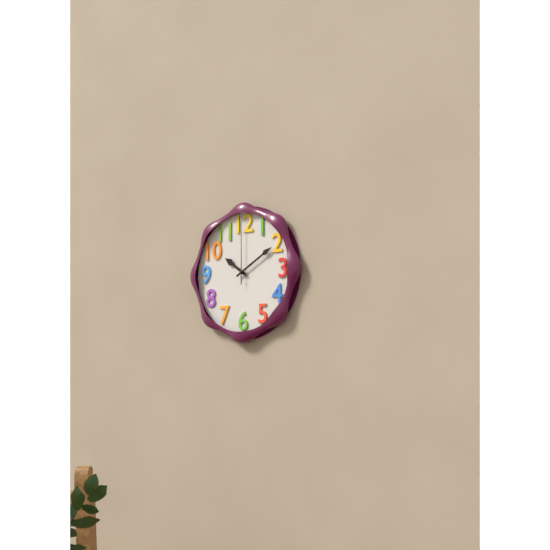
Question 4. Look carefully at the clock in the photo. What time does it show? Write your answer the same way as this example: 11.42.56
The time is 10.10.00
